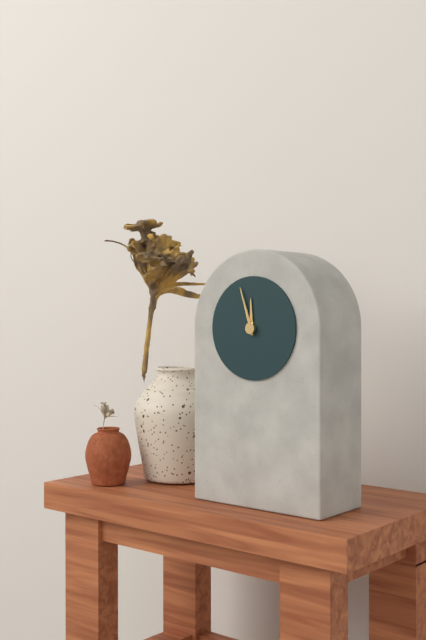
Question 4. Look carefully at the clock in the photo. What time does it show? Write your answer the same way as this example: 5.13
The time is 11.57
